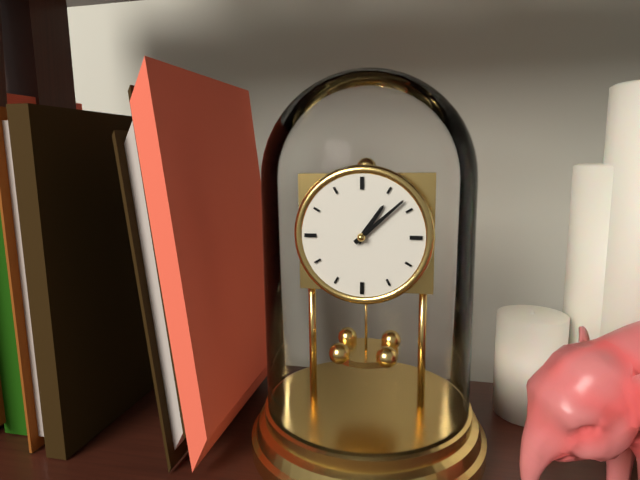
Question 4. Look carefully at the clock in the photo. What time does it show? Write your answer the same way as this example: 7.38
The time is 1.08
